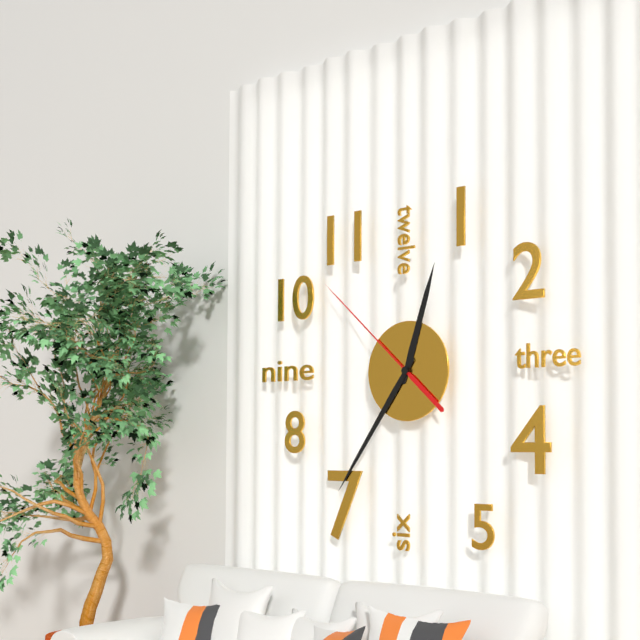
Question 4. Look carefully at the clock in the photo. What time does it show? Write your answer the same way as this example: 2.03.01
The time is 12.36.52
